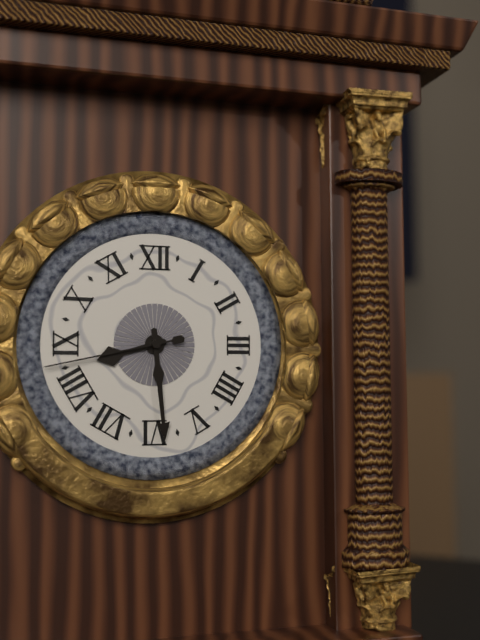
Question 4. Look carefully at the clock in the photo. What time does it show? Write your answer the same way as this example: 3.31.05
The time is 8.29.43
